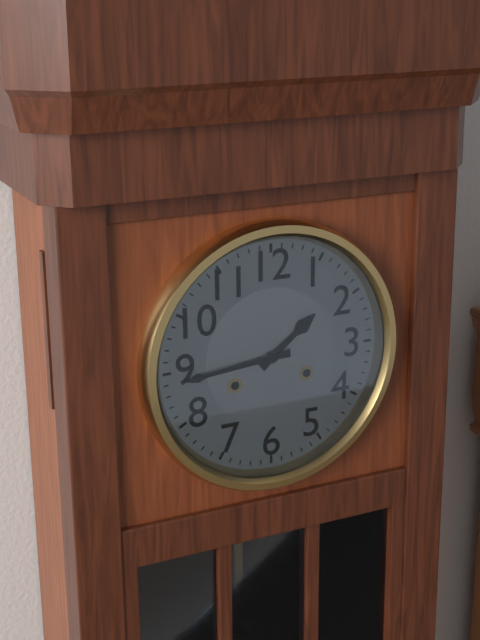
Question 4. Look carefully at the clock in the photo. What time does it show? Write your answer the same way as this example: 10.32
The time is 1.44
